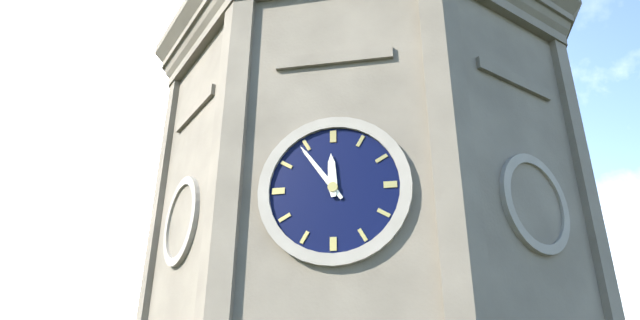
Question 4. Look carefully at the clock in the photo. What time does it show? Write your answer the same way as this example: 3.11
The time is 11.54
